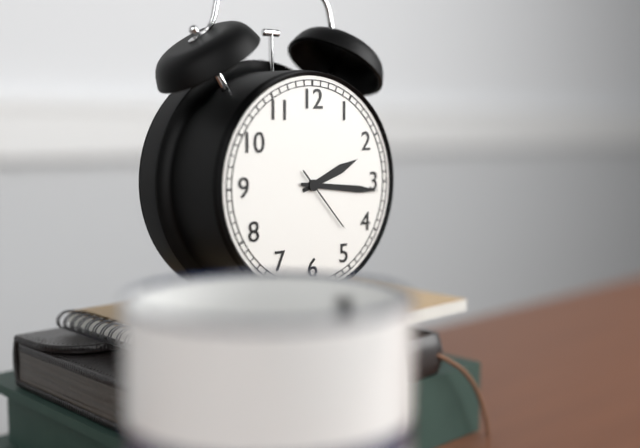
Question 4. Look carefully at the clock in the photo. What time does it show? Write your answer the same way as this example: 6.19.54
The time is 2.16.23
